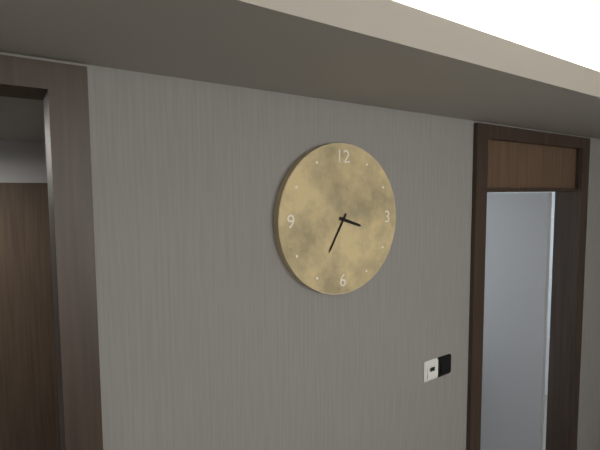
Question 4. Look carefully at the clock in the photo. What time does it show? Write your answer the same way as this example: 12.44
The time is 3.35
